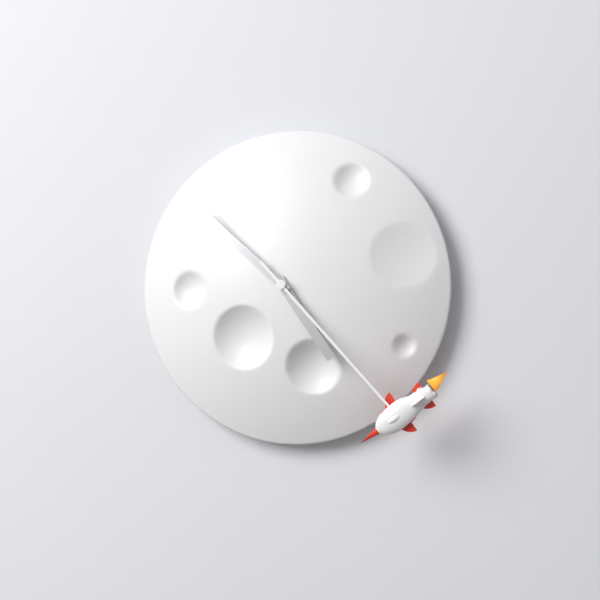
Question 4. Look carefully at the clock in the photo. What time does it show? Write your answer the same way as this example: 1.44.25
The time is 4.52.23
